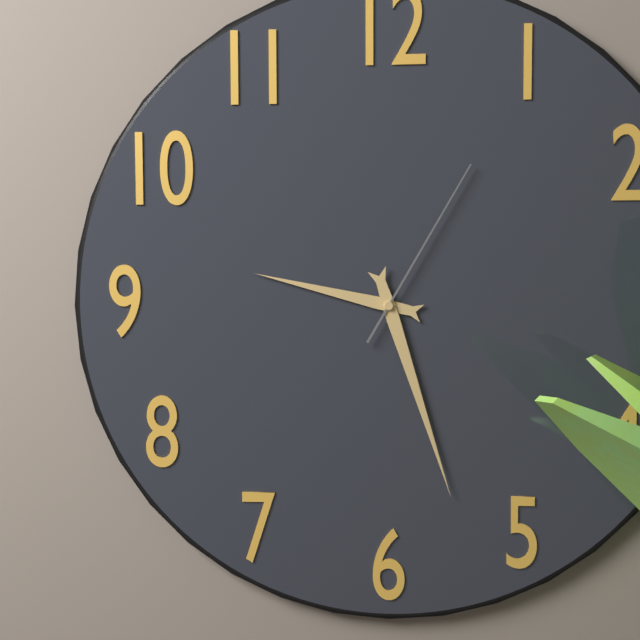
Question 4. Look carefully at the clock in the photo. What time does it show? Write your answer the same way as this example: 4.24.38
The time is 9.27.05
